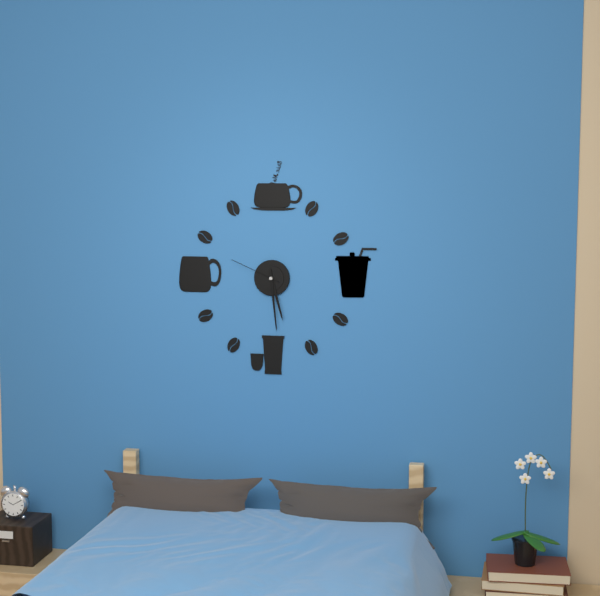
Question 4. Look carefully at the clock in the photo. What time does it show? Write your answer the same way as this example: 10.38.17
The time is 5.29.49
